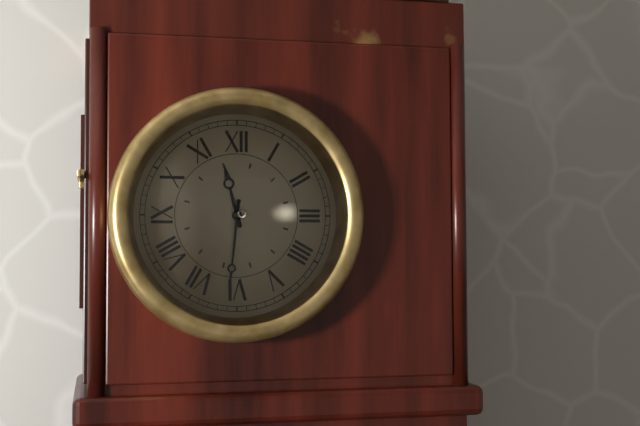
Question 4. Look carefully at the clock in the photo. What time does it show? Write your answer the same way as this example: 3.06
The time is 11.31
